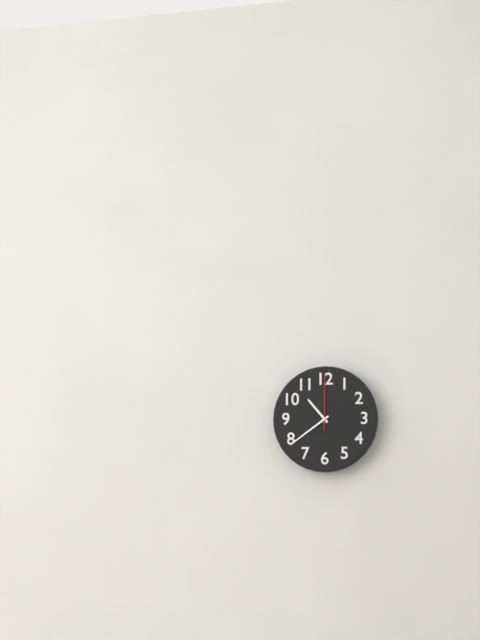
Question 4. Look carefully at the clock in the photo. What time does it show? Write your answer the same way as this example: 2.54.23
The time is 10.39.00
